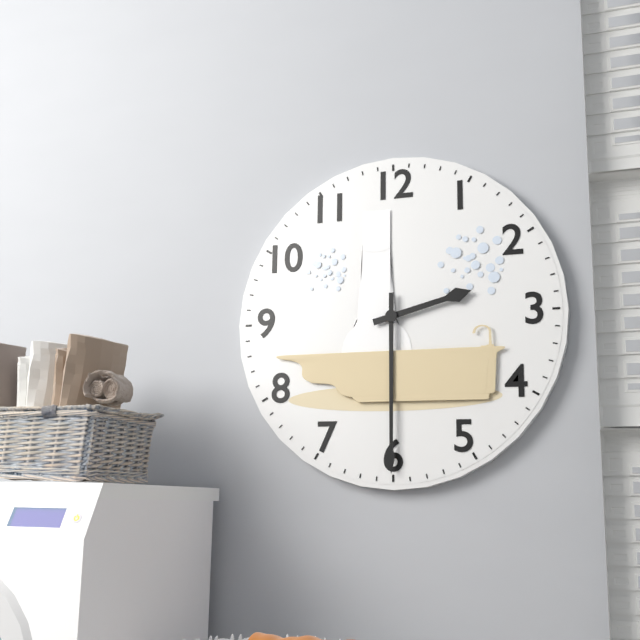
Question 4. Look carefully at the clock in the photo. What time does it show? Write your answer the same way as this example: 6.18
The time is 2.30
